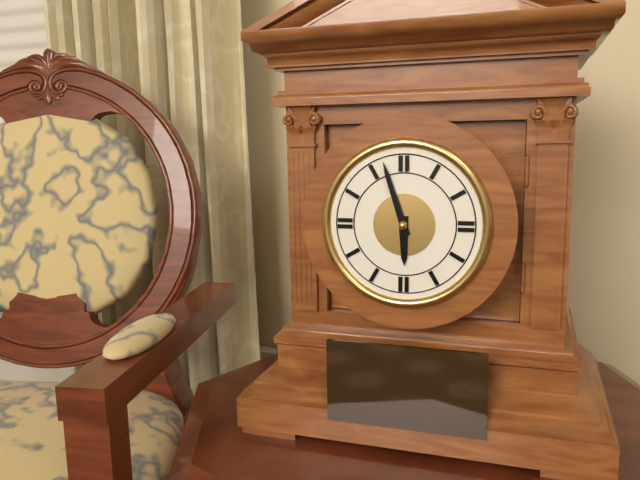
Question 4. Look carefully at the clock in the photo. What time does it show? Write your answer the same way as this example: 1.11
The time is 5.57
